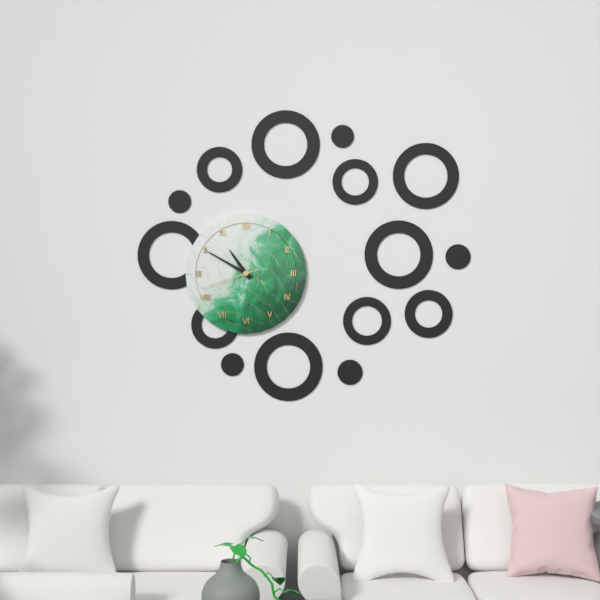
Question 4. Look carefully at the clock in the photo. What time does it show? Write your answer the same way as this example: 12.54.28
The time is 10.50.42
